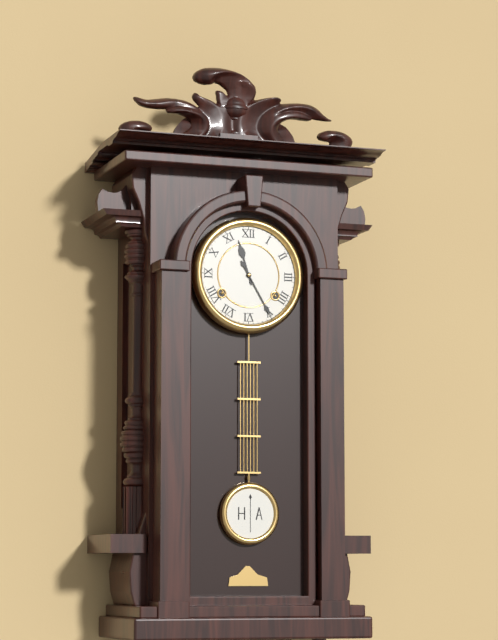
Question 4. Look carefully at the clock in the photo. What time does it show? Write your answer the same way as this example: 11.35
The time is 11.25
